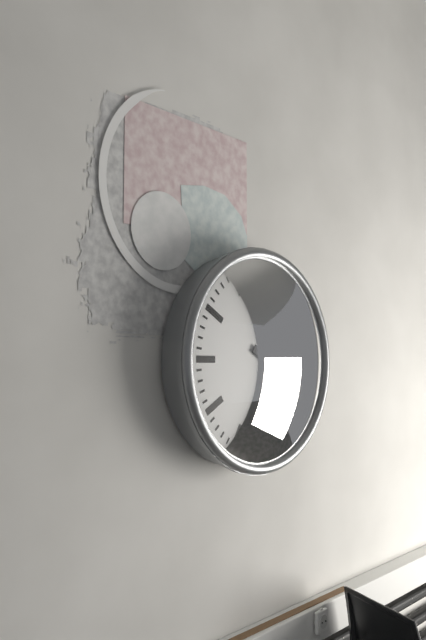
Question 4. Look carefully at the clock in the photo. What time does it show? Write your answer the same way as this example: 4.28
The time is 12.20
